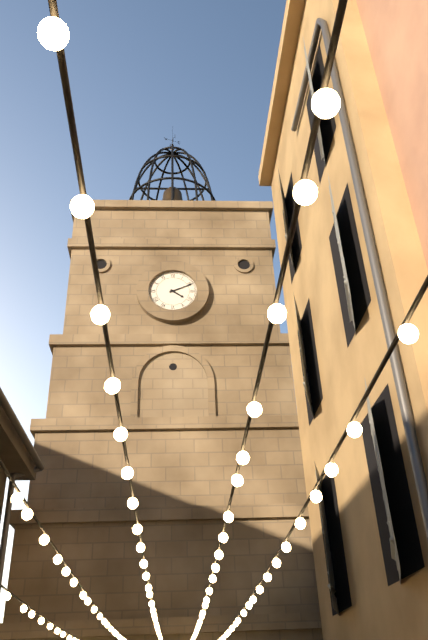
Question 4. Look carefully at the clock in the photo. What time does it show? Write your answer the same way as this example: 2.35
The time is 4.11
